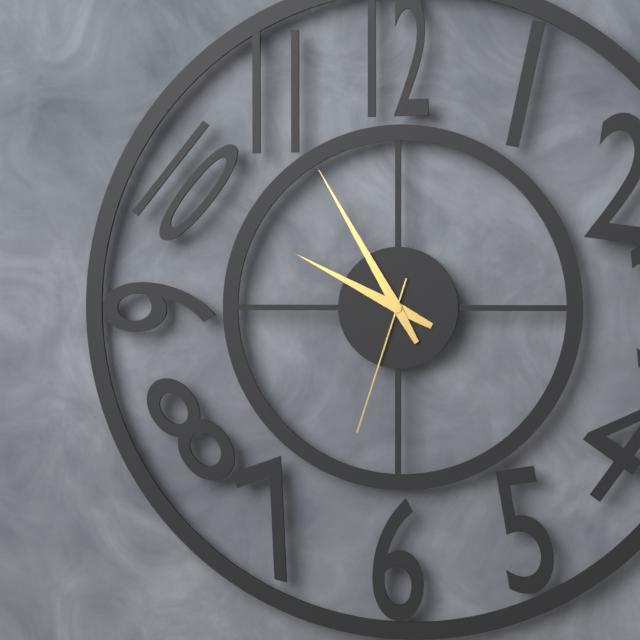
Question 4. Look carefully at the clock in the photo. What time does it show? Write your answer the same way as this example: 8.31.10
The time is 9.55.33
